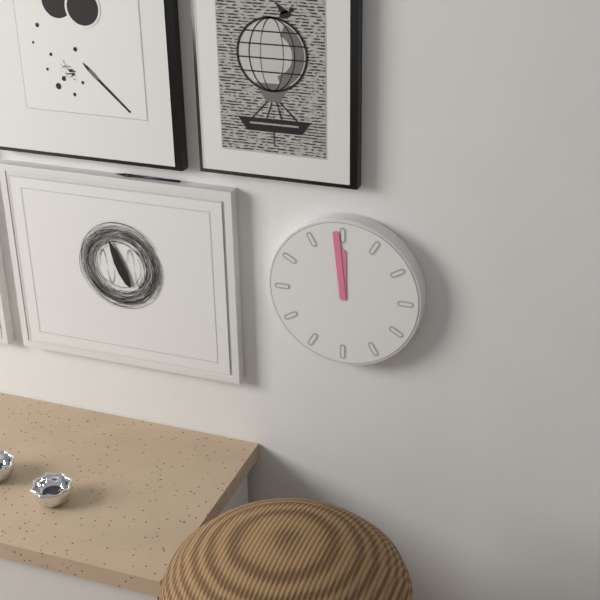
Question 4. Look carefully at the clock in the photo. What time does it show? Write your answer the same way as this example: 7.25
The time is 11.59
